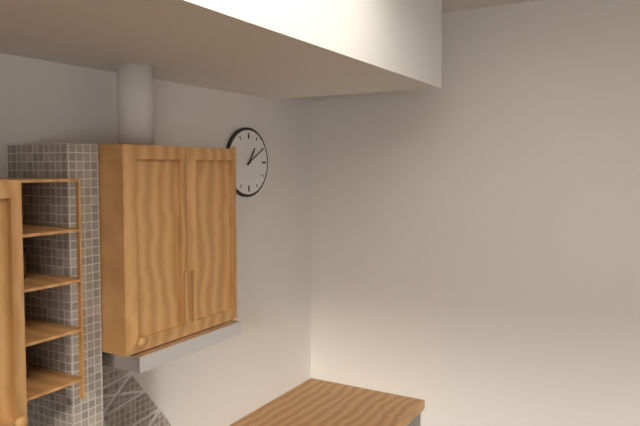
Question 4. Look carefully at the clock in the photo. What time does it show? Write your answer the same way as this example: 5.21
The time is 1.10
